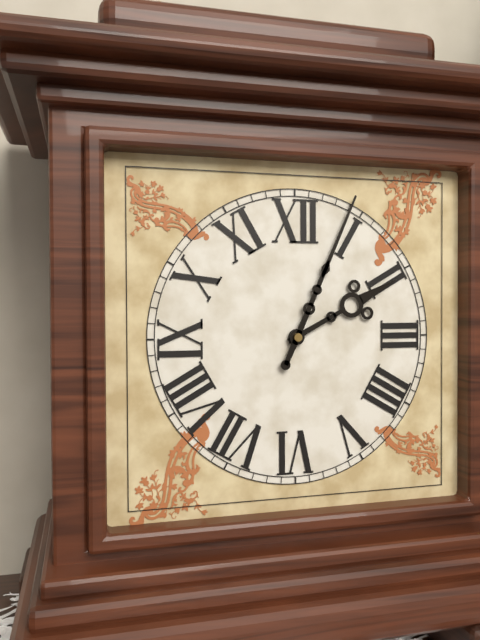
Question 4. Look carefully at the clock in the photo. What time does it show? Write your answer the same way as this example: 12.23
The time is 2.04
